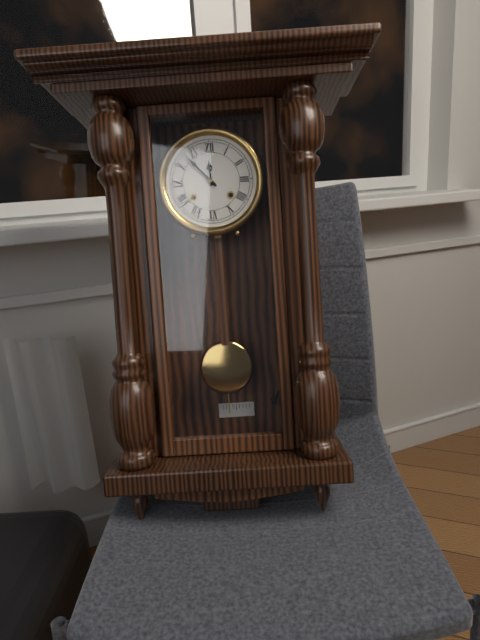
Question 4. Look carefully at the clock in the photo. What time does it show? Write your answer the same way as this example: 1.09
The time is 11.53
